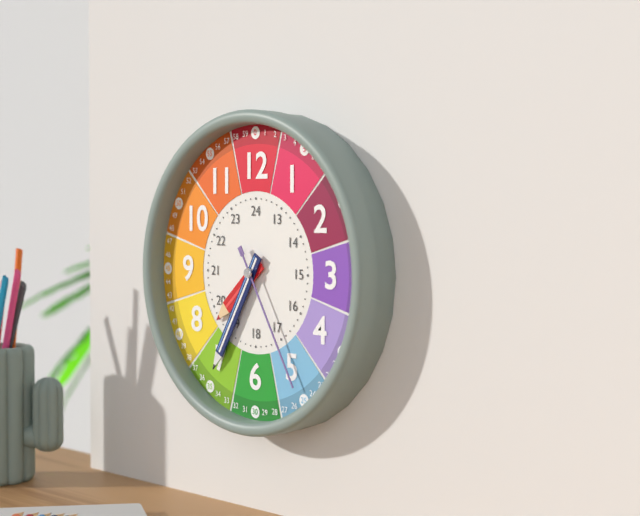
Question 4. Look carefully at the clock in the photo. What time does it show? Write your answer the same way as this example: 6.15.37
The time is 7.35.25
